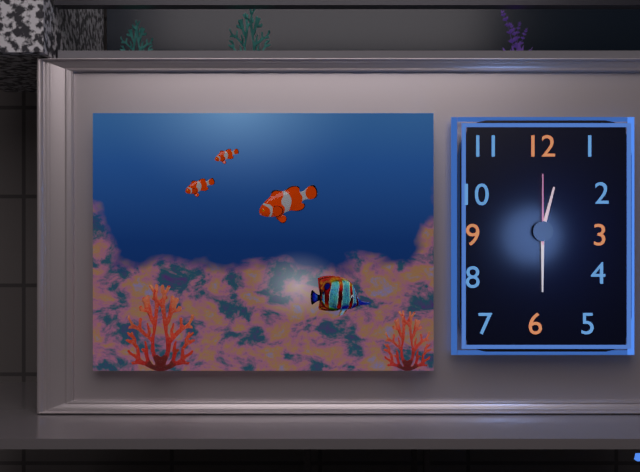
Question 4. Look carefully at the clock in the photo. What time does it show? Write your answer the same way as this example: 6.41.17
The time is 12.30.00
